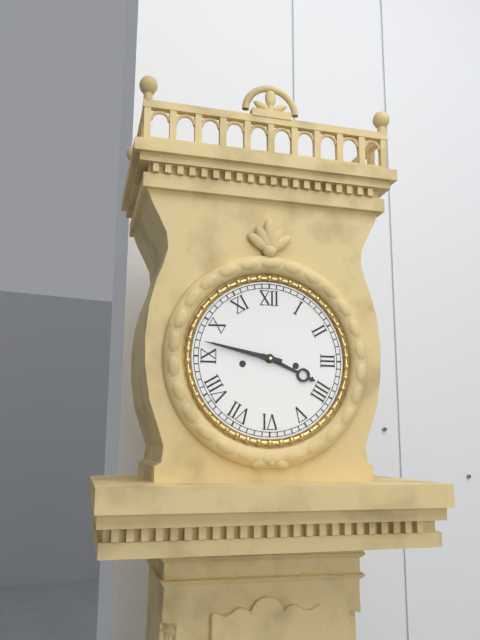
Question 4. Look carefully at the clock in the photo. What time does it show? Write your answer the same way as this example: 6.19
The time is 3.47
